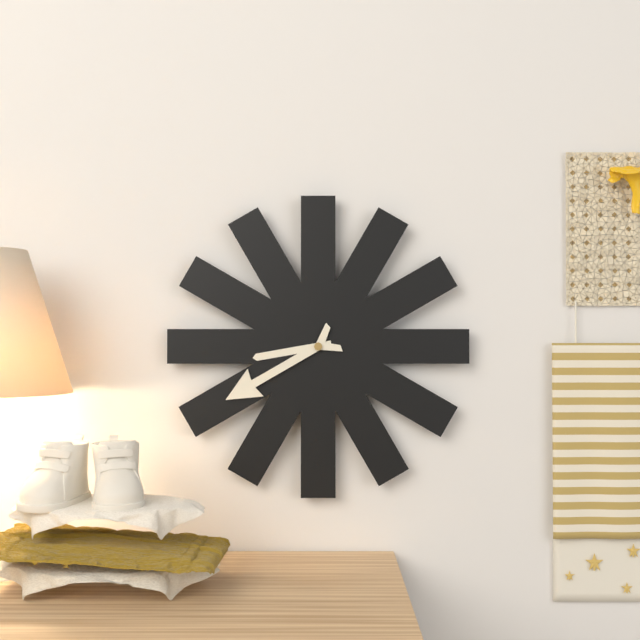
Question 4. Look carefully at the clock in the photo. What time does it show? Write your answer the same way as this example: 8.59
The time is 8.40
